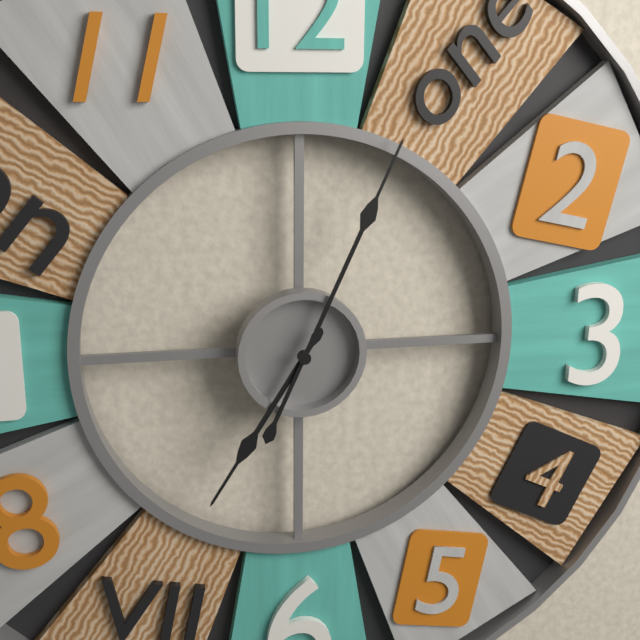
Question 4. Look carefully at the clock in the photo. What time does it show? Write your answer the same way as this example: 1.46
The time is 7.04
